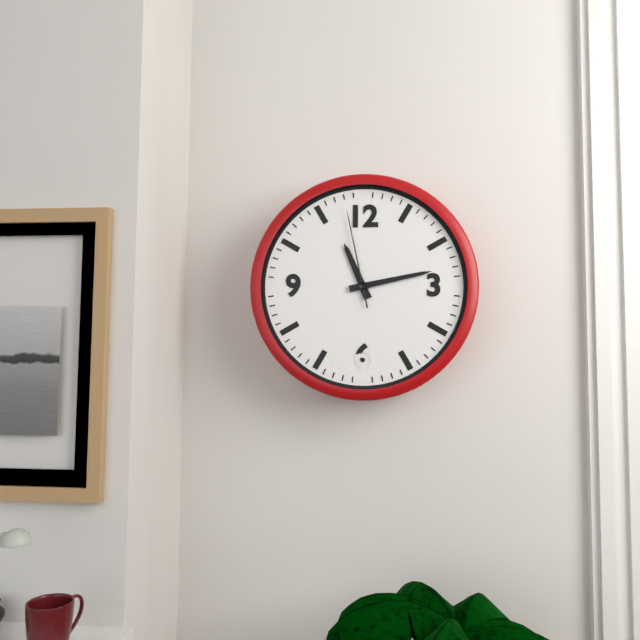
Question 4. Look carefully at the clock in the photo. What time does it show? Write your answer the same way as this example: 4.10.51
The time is 11.13.58
